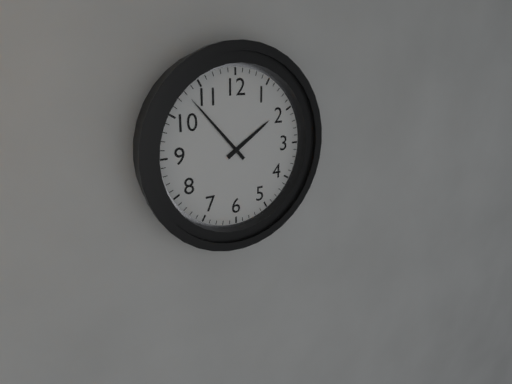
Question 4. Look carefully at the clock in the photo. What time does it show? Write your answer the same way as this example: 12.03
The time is 1.53
